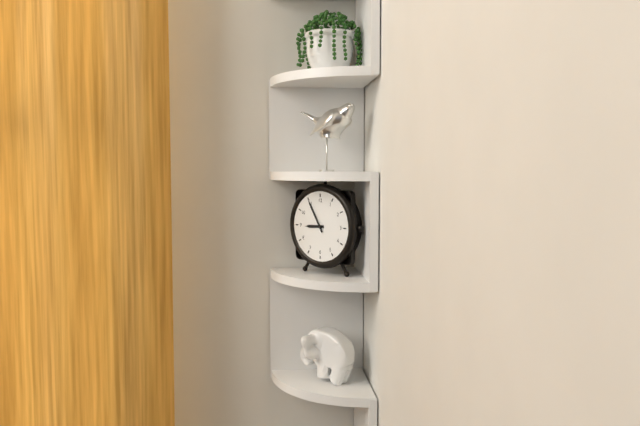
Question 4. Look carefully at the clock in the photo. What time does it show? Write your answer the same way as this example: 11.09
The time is 8.55
